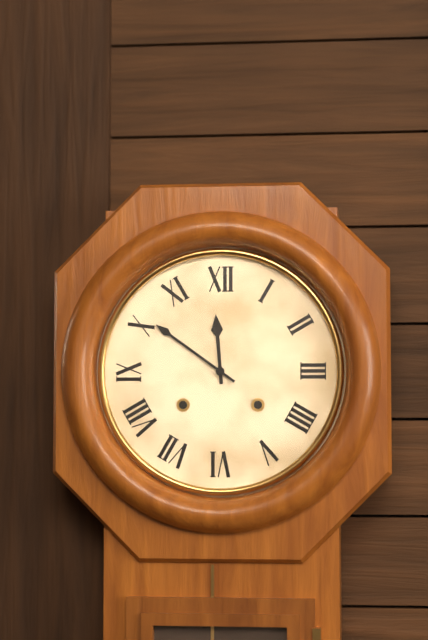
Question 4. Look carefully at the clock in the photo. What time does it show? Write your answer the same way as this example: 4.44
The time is 11.51
